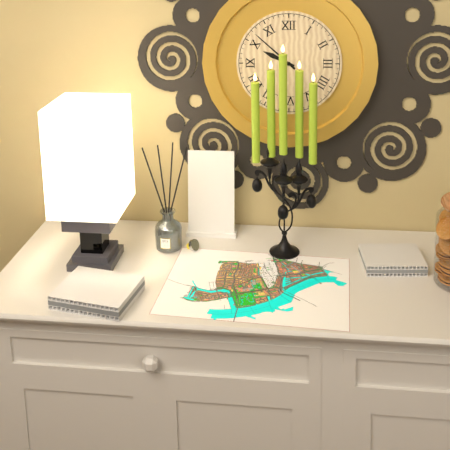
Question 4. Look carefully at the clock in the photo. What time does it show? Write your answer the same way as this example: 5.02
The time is 9.52
